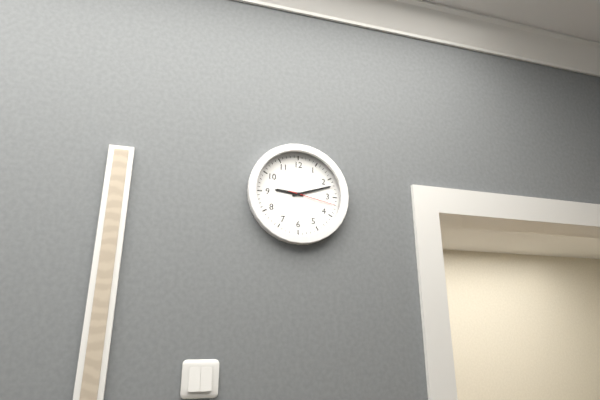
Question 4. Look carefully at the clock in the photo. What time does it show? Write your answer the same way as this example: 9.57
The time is 9.12
